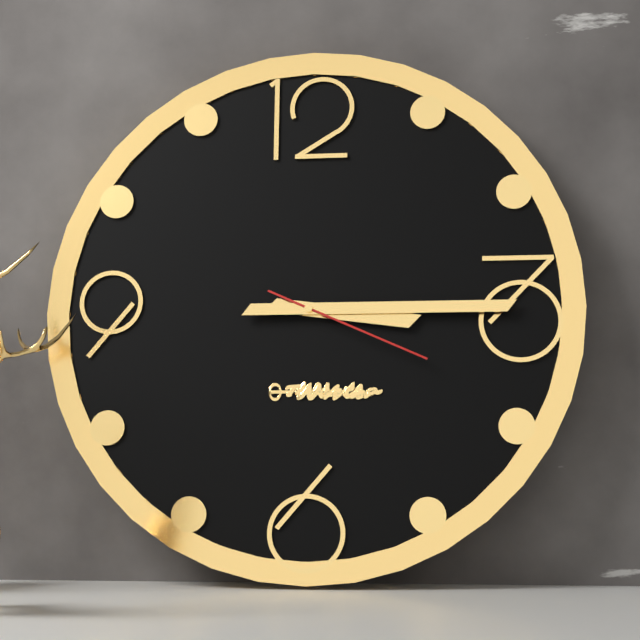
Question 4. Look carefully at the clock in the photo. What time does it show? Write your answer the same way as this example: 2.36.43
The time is 3.15.19
